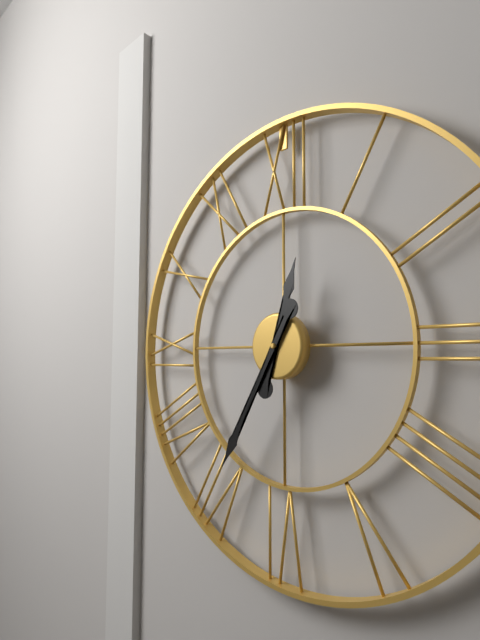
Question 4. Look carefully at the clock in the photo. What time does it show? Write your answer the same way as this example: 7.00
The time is 12.35
